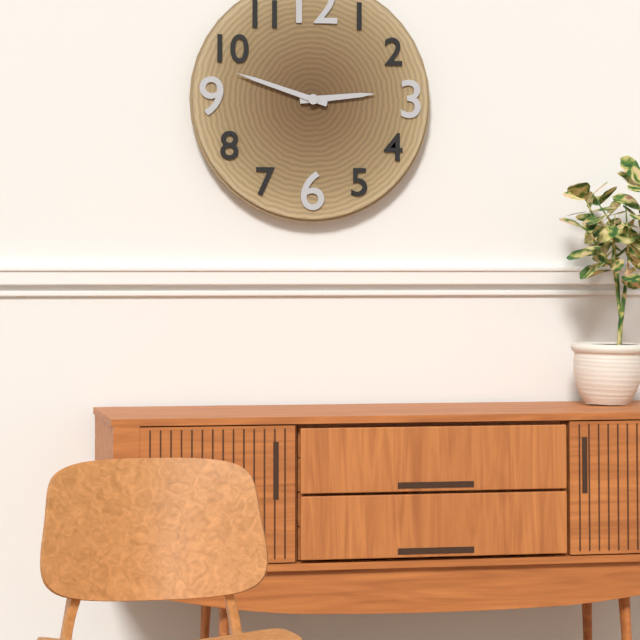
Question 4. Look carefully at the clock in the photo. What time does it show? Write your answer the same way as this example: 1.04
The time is 2.48
